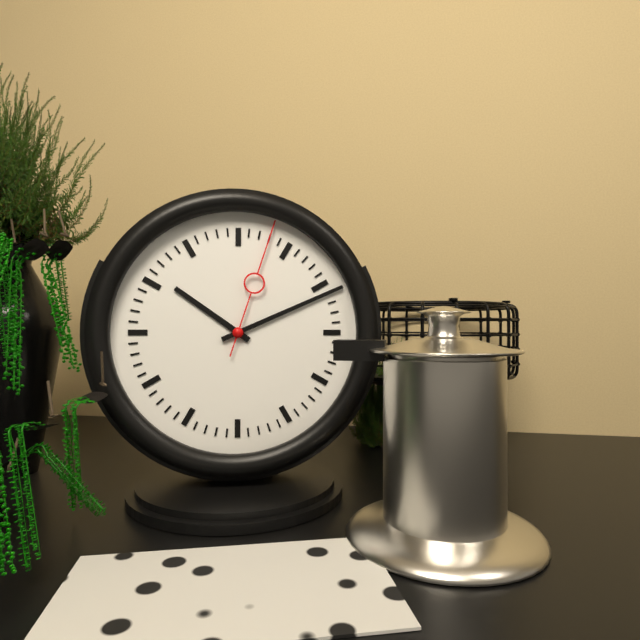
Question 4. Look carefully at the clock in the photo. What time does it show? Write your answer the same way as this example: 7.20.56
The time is 10.11.03
